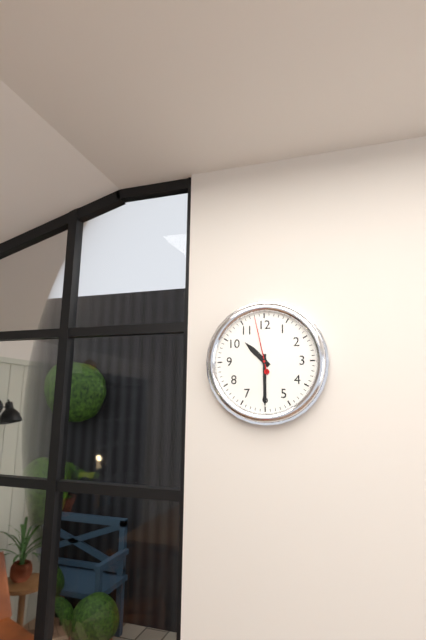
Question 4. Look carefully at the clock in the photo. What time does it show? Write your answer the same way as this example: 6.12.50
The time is 10.30.58
